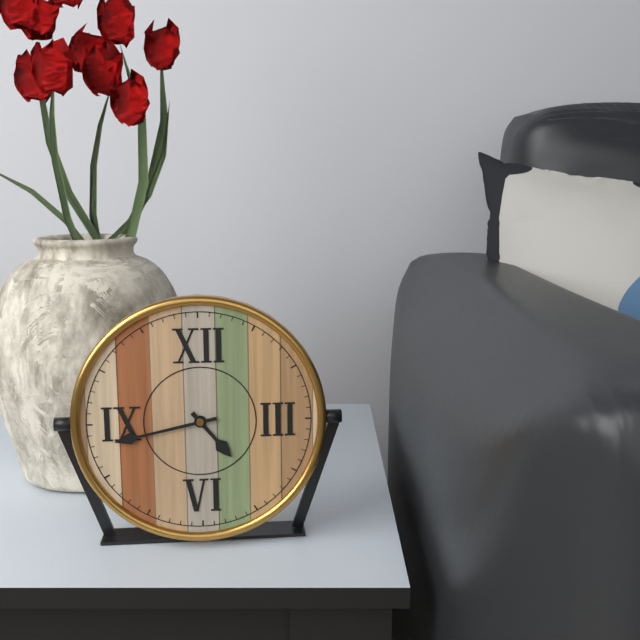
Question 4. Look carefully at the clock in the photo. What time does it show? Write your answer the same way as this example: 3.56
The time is 4.43
